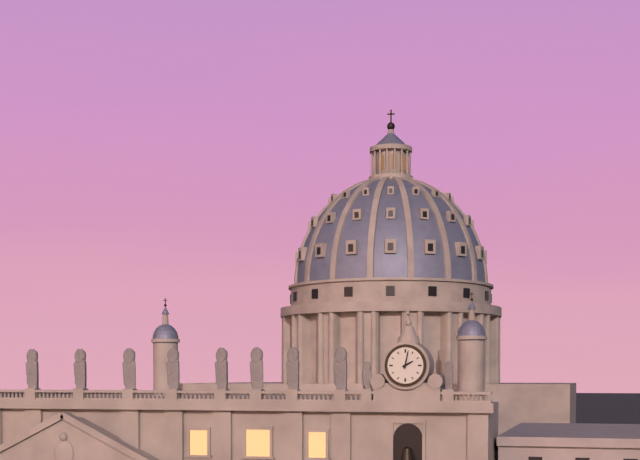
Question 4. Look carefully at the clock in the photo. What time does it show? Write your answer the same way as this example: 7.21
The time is 2.02
